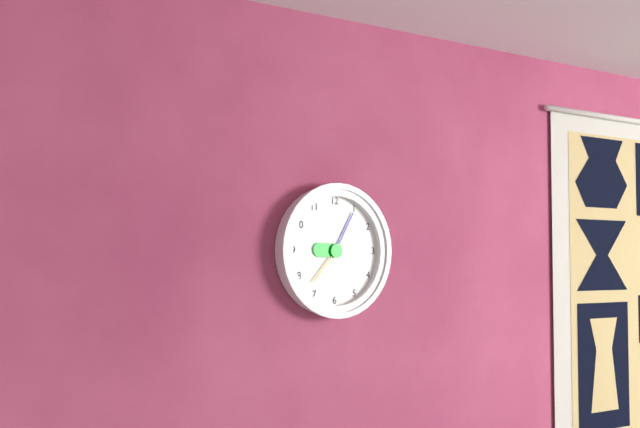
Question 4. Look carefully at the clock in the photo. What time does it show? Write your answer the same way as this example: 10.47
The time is 9.05
